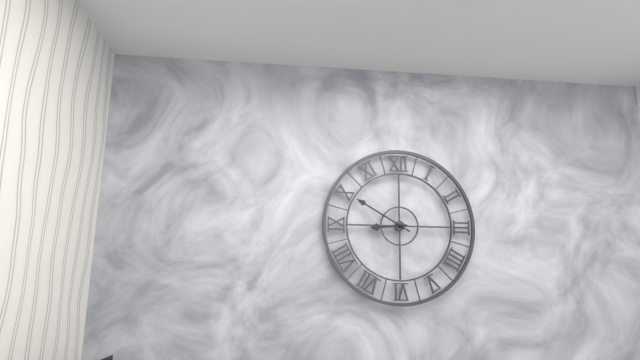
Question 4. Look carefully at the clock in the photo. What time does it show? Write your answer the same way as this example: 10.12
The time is 8.50
